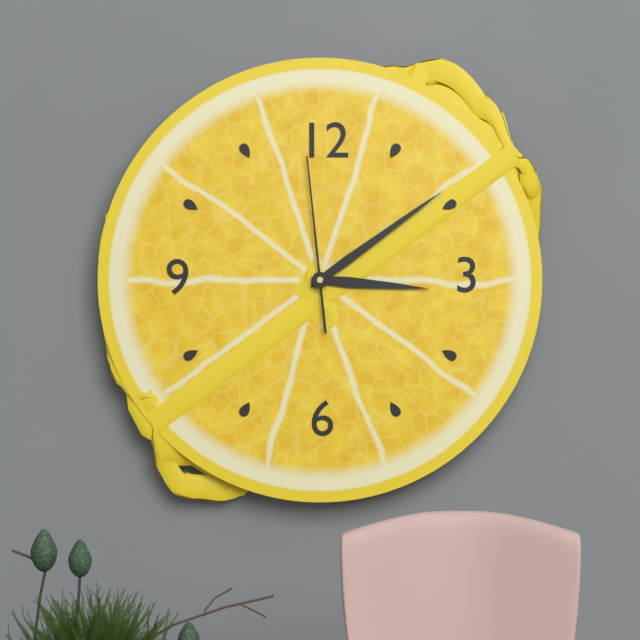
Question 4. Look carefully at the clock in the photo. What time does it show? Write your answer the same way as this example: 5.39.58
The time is 3.09.59
